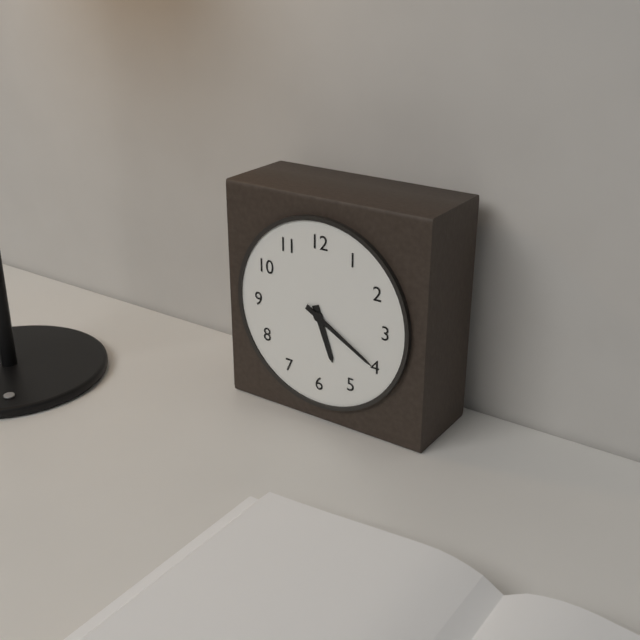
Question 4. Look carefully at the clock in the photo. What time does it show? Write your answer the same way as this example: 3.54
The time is 5.20
